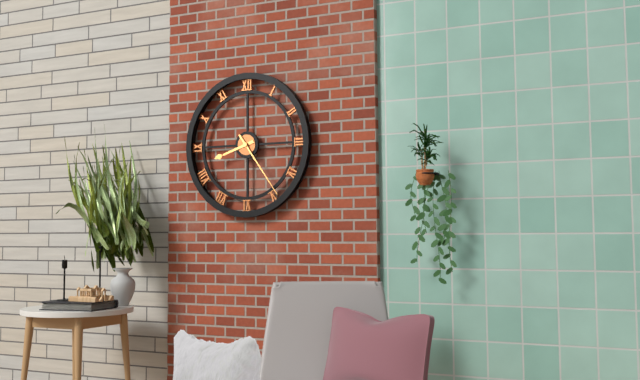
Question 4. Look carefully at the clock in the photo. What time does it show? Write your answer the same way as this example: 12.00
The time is 8.24
